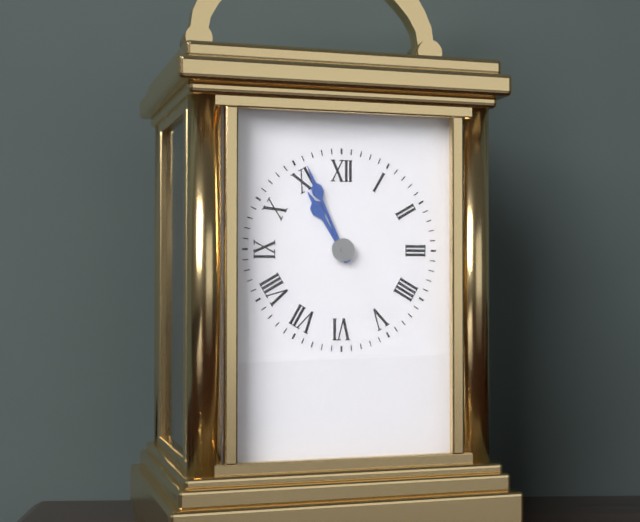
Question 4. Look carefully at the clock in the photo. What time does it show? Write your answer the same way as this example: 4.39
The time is 10.56
